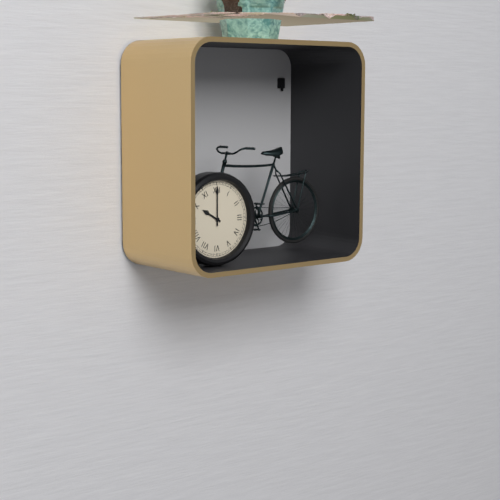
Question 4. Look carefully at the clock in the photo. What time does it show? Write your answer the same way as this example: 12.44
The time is 10.00
